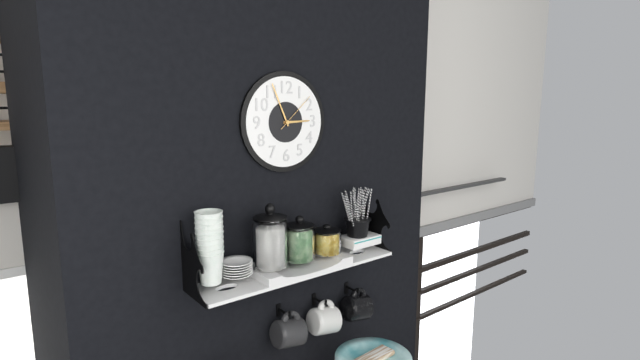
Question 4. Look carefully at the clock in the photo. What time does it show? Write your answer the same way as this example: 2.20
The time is 2.56
